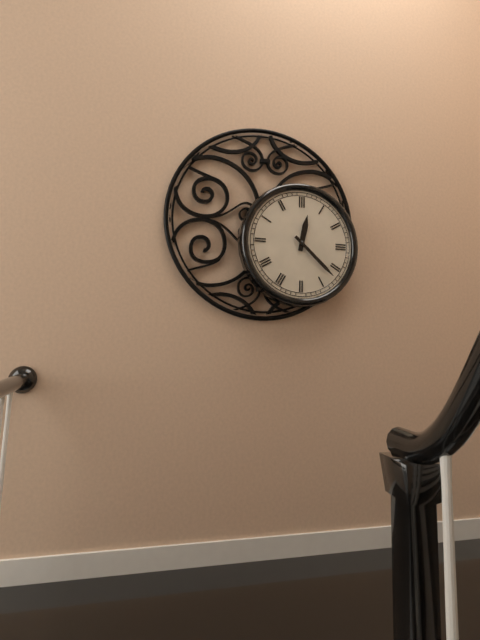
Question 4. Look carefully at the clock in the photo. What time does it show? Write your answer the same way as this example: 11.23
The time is 12.22
